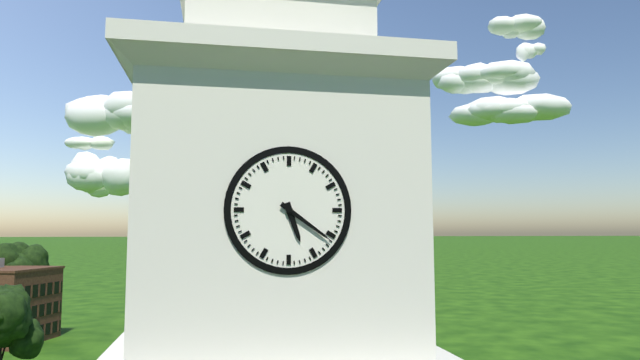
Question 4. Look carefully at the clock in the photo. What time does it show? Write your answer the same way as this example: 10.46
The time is 5.21
